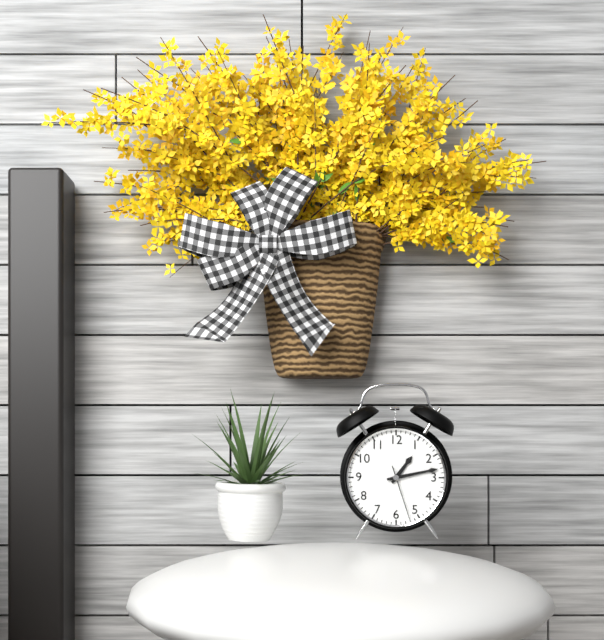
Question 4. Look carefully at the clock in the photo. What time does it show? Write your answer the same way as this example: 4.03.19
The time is 1.13.27
